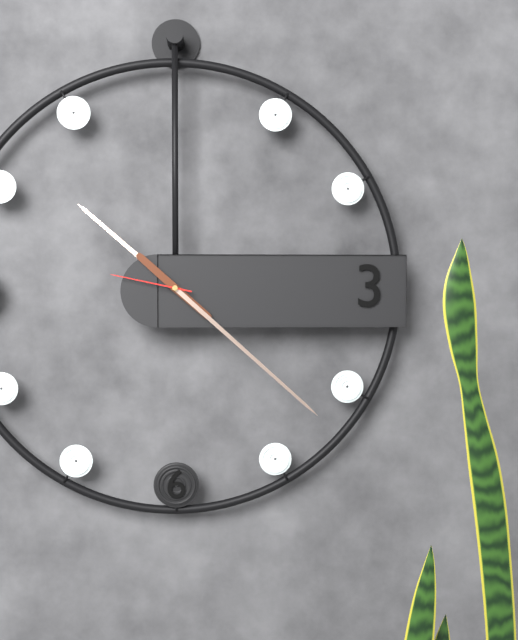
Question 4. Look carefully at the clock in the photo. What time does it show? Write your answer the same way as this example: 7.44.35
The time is 10.22.47
